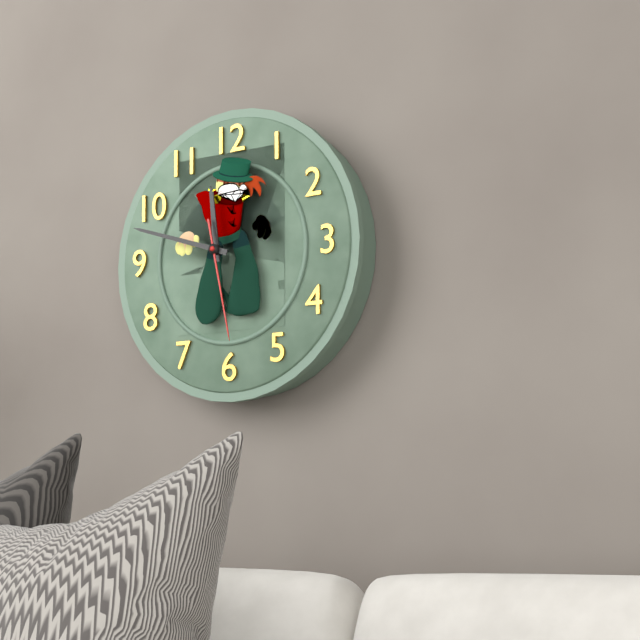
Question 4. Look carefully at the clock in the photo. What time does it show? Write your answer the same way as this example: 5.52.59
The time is 11.48.28
